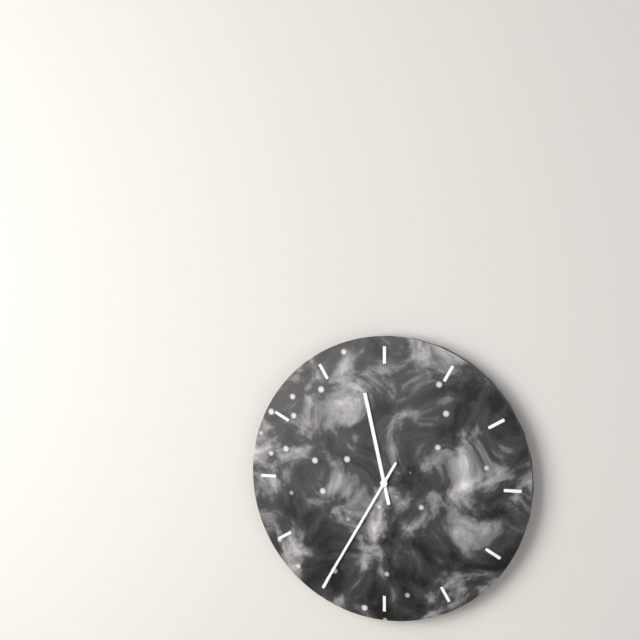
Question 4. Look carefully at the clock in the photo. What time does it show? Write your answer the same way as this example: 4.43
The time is 11.35
